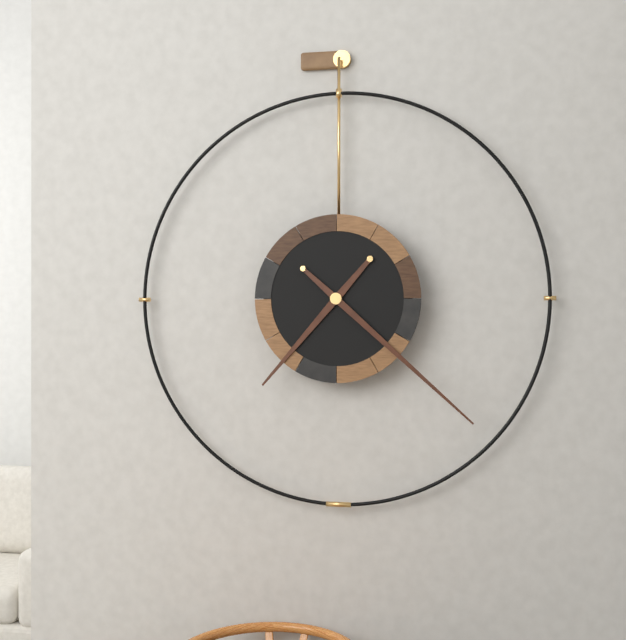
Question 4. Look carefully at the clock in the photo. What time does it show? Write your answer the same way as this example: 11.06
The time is 7.22
